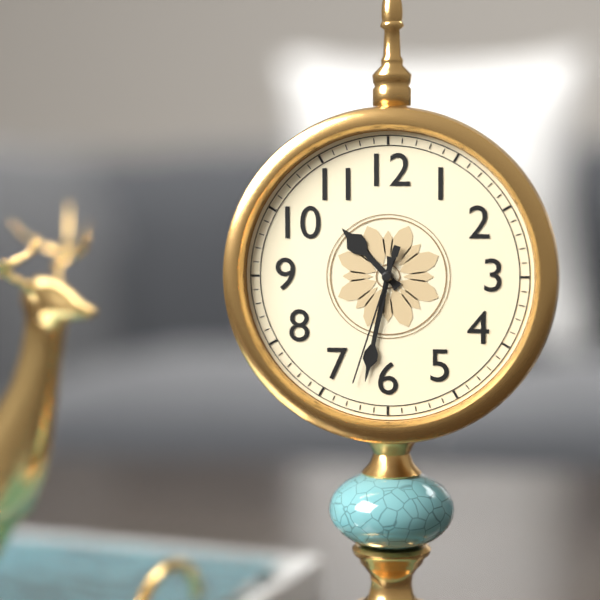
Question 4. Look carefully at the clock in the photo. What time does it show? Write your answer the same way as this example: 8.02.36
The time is 10.32.33
